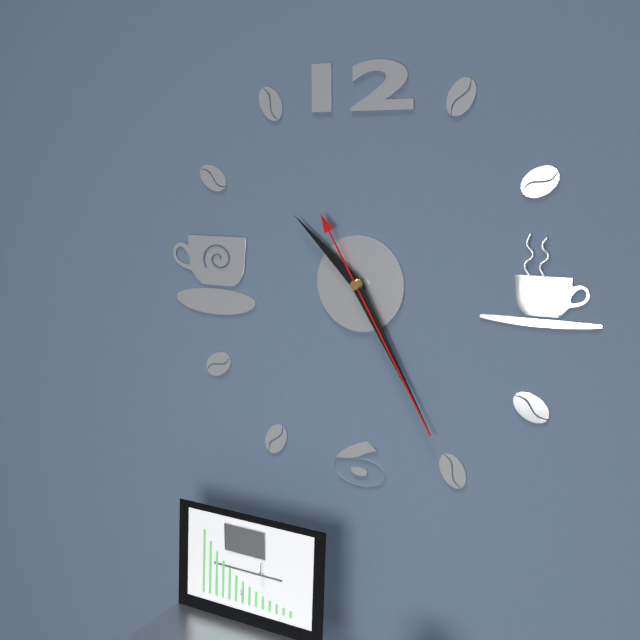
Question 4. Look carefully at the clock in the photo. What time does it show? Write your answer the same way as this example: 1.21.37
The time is 10.25.25
